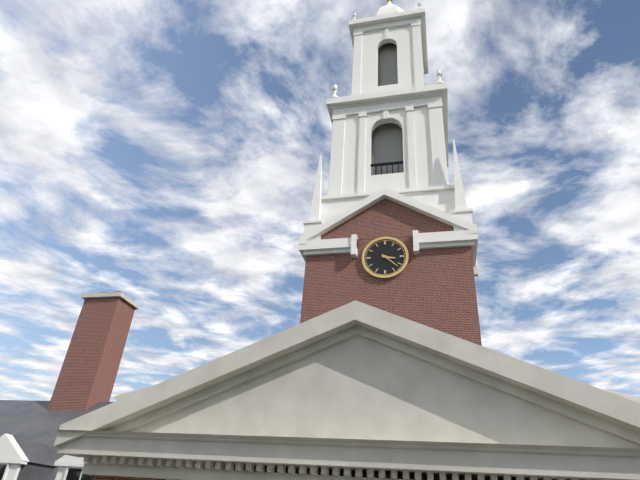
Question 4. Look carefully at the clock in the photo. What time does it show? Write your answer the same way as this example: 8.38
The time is 3.22
